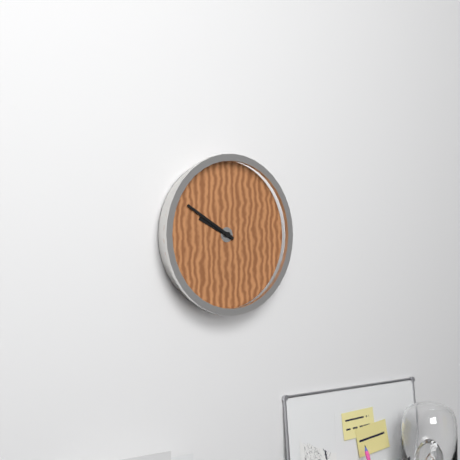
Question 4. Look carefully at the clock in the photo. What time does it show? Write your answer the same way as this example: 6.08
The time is 9.50
